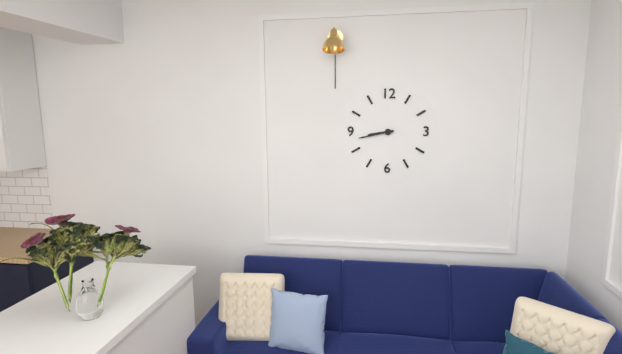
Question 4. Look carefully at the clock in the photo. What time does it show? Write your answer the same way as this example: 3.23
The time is 8.43
